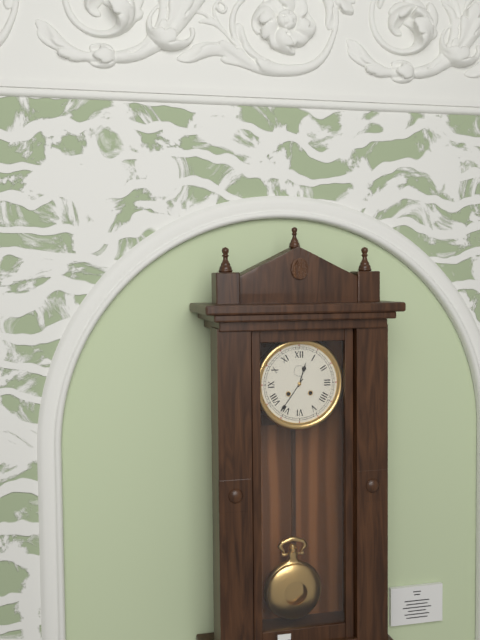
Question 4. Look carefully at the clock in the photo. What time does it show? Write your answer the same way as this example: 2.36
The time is 12.36
